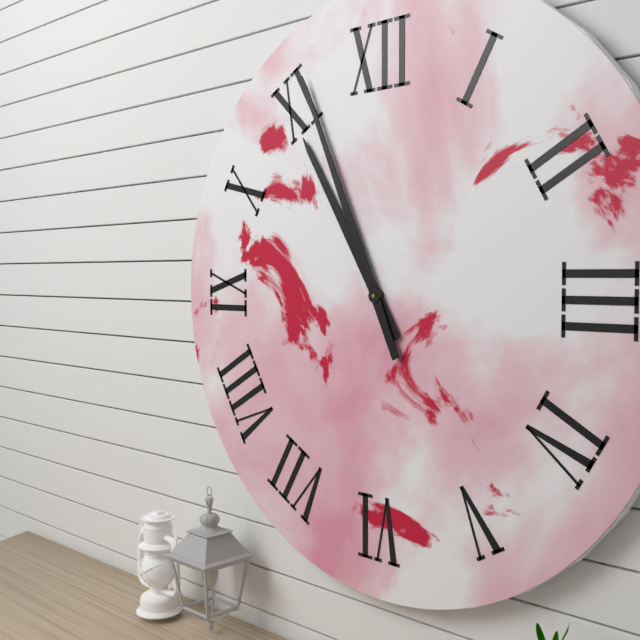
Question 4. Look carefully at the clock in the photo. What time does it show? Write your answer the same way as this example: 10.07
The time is 10.56
